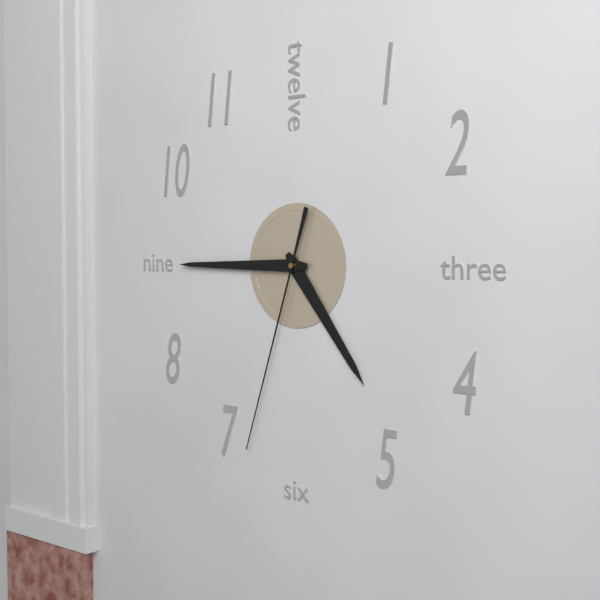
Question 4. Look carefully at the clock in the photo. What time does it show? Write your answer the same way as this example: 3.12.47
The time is 4.45.33
